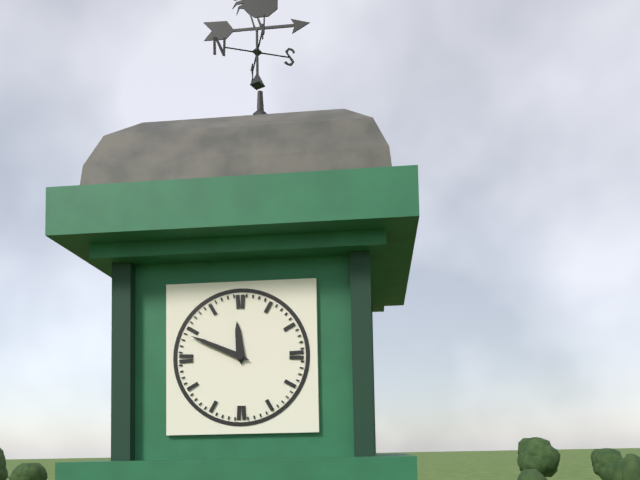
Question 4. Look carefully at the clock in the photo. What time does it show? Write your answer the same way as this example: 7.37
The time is 11.49
